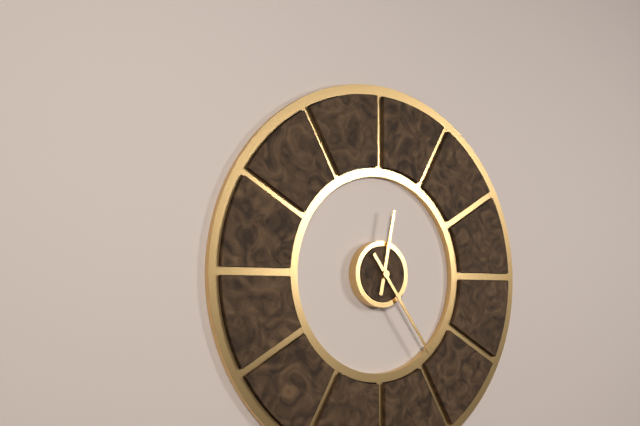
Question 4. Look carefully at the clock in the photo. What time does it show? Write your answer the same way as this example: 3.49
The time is 12.24
